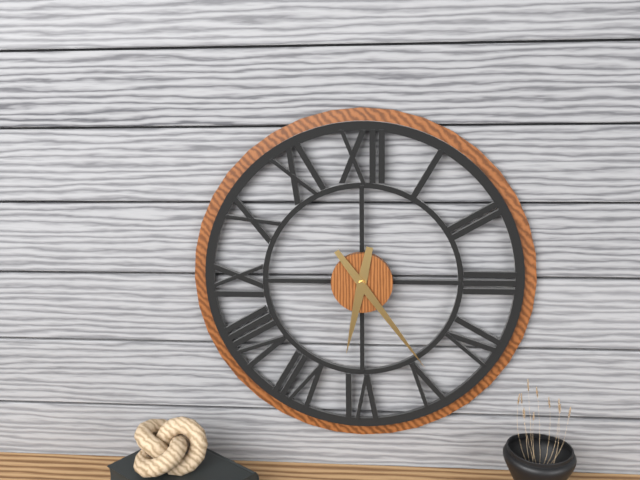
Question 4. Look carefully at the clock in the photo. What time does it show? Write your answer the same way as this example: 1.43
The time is 6.24
